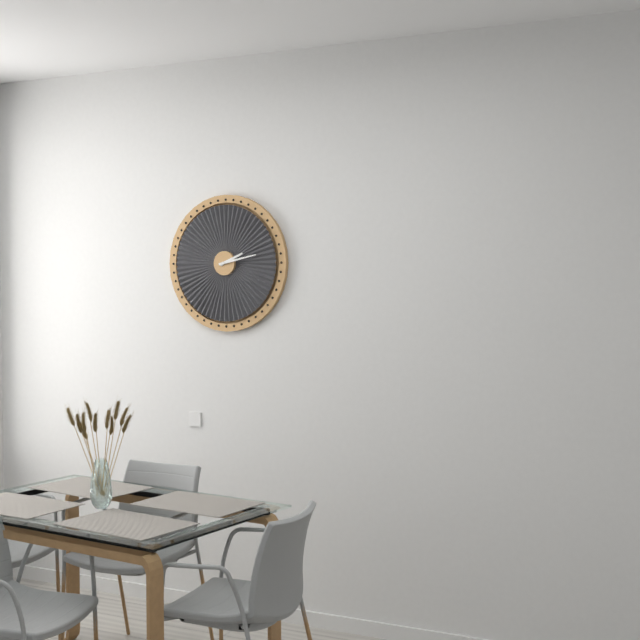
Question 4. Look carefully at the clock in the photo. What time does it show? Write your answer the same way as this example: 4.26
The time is 2.13
